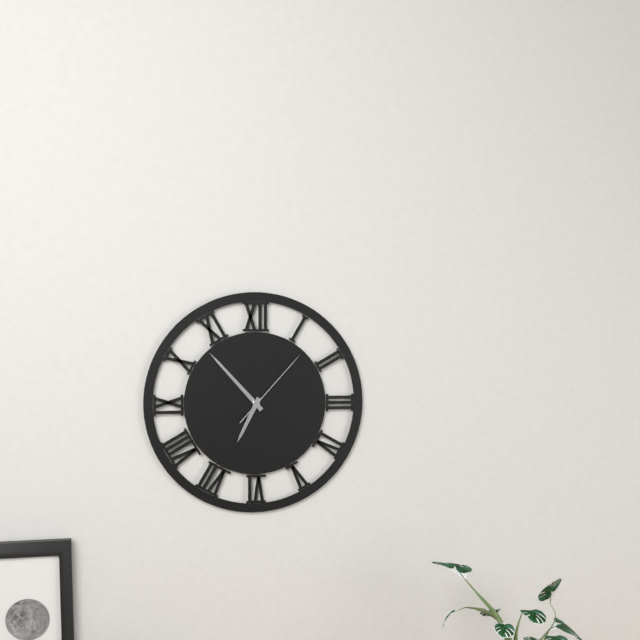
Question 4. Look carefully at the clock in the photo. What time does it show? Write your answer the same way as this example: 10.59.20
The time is 6.53.07
